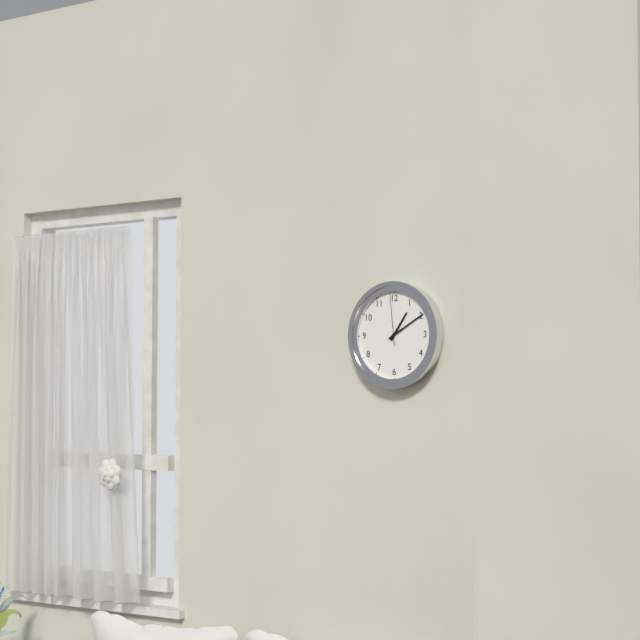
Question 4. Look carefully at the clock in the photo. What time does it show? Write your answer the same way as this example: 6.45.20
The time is 1.10.59
